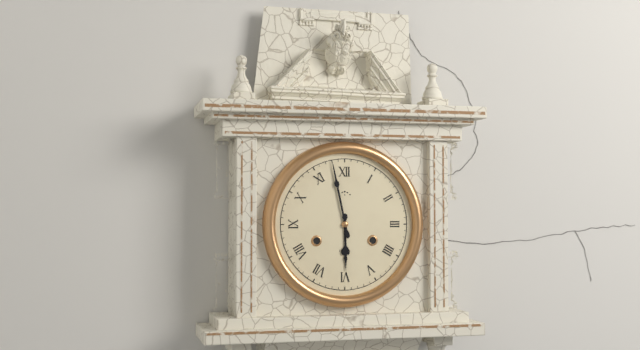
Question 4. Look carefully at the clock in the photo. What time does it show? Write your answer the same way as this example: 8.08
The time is 5.58
